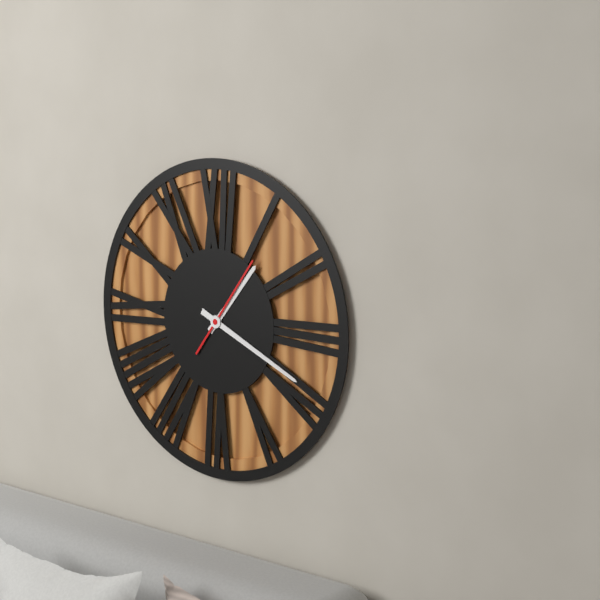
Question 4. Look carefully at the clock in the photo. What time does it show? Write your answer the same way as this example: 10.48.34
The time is 1.19.06
